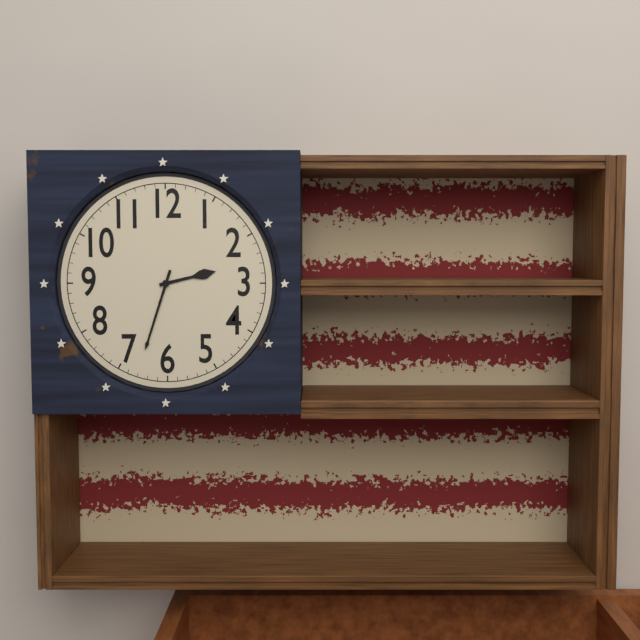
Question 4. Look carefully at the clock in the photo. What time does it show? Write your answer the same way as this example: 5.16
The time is 2.33
